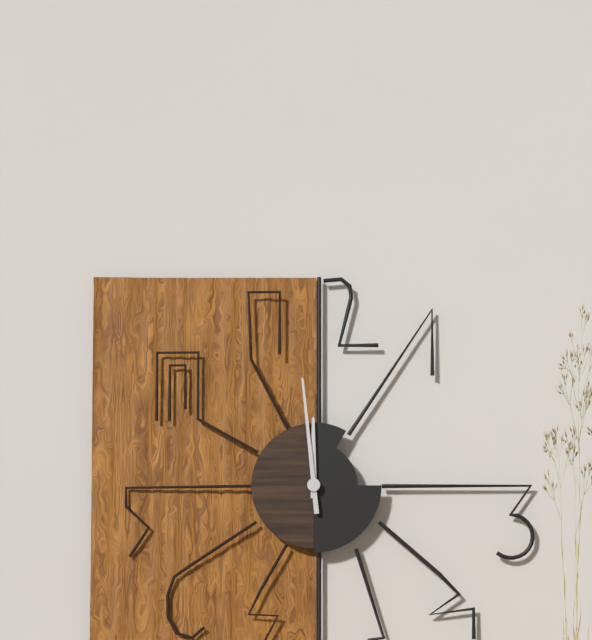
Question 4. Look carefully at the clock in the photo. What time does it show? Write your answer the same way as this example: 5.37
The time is 11.59
